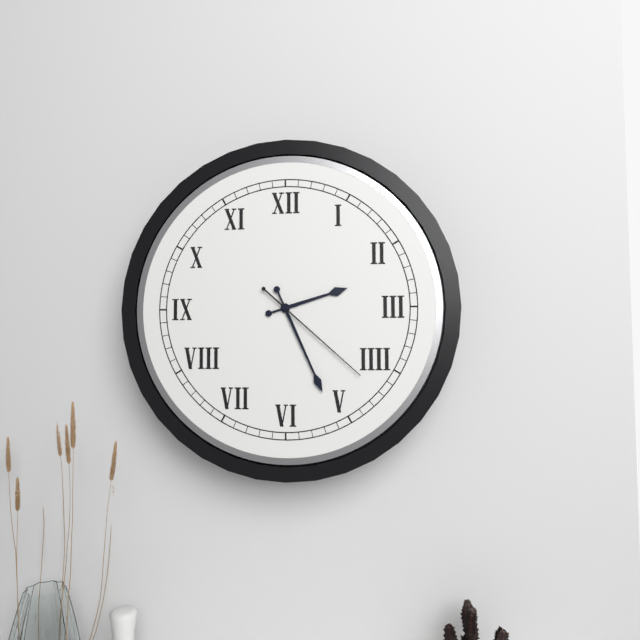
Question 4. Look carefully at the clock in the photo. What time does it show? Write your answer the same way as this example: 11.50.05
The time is 2.26.22
